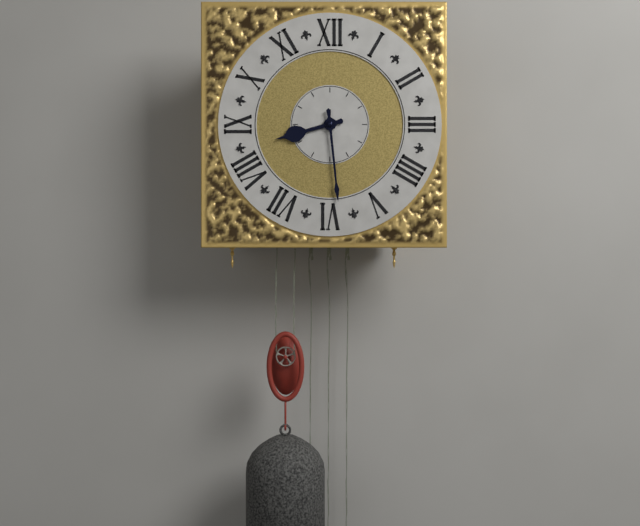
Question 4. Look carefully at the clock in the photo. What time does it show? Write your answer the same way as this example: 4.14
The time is 8.29
